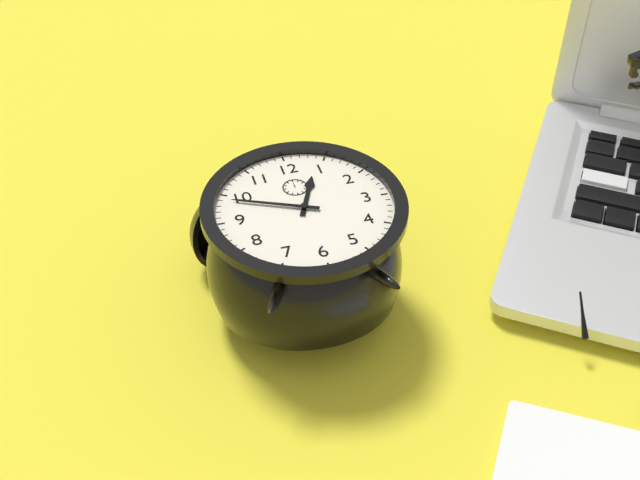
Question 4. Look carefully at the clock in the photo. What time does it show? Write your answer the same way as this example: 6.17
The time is 12.49
